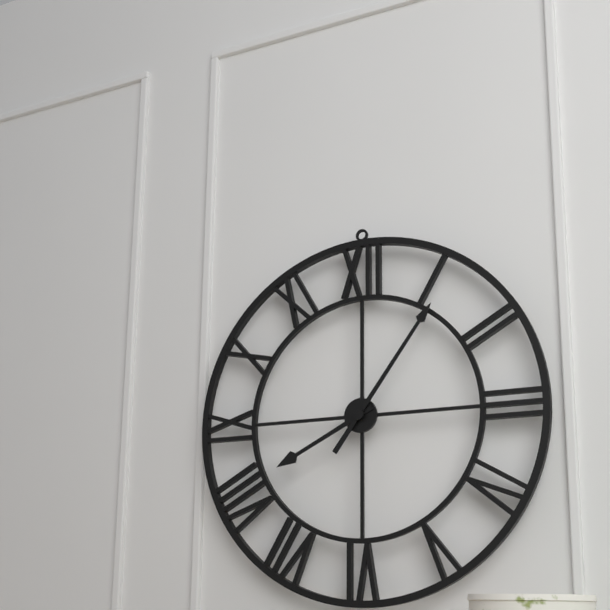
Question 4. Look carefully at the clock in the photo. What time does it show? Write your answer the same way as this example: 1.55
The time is 8.06
